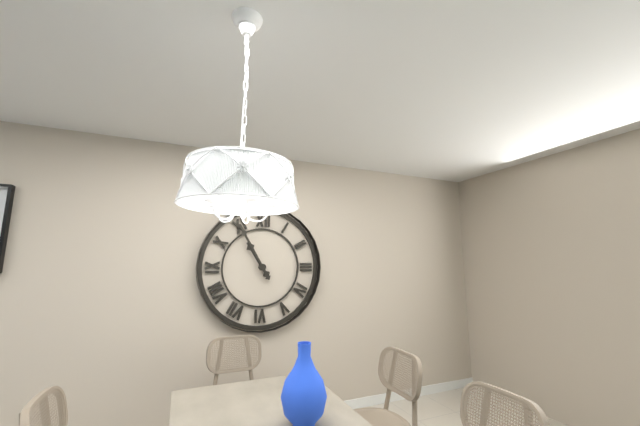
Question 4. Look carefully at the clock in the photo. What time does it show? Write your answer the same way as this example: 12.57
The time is 10.55
